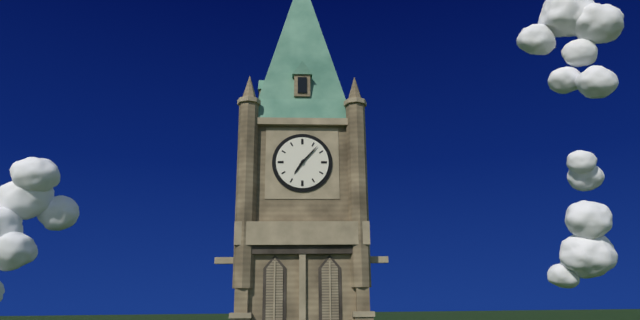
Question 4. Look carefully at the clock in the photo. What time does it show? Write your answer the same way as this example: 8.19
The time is 7.07
